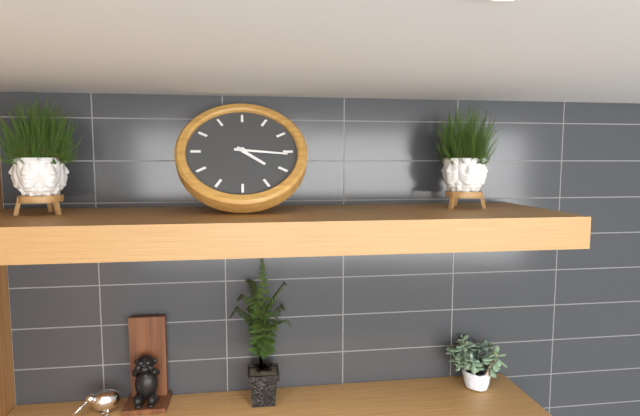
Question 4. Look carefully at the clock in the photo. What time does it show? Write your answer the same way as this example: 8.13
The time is 4.16
